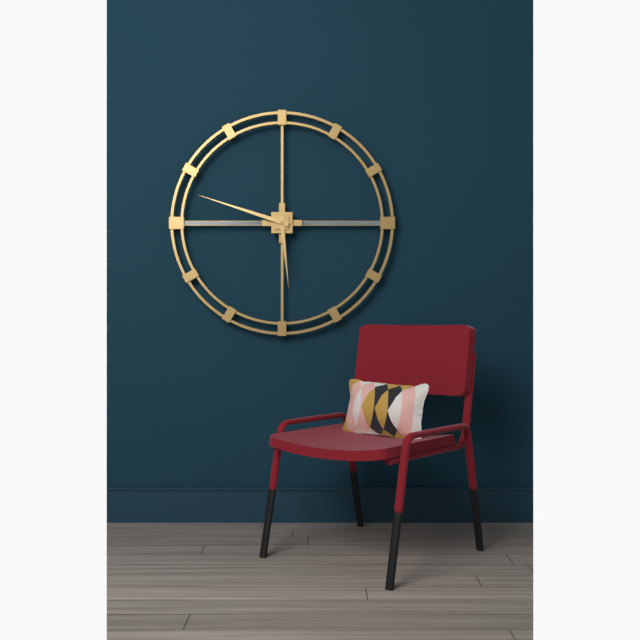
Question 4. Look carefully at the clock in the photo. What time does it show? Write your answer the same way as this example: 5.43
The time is 5.48
